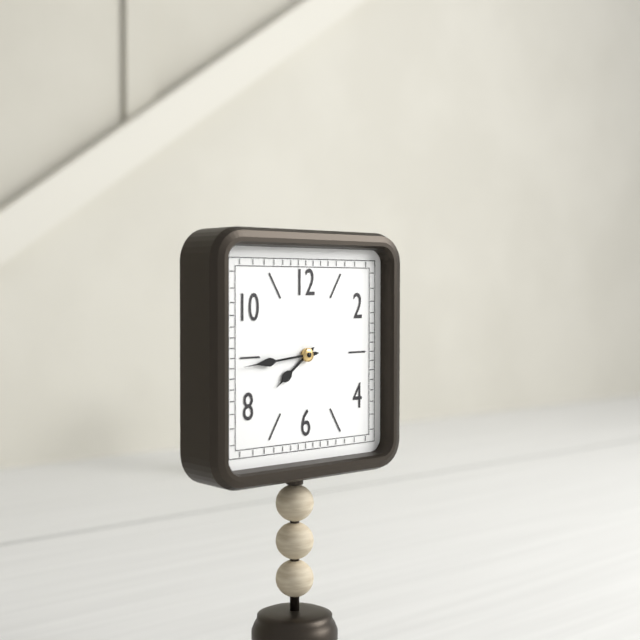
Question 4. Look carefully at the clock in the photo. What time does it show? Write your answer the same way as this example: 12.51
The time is 7.44
